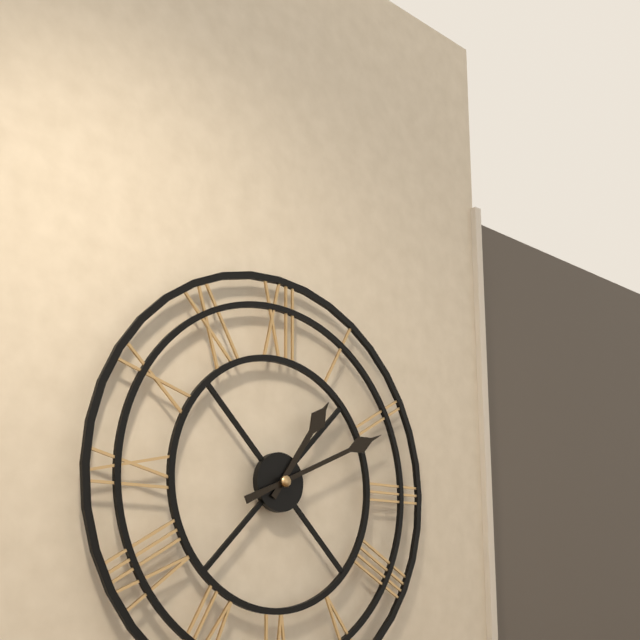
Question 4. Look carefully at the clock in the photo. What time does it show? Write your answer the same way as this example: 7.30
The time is 1.11
